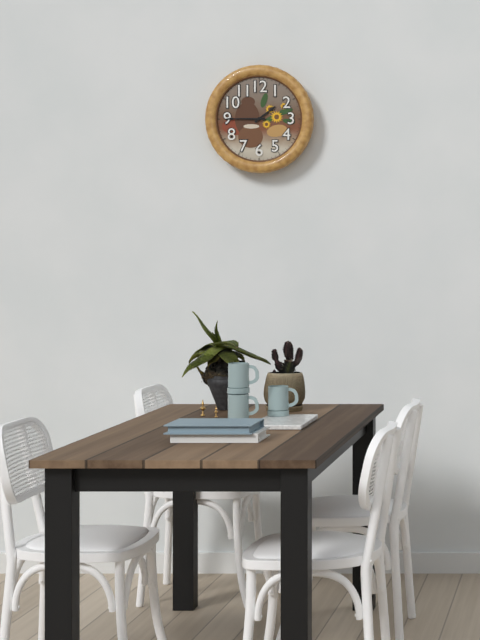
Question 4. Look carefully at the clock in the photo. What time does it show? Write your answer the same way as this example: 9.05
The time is 1.45
